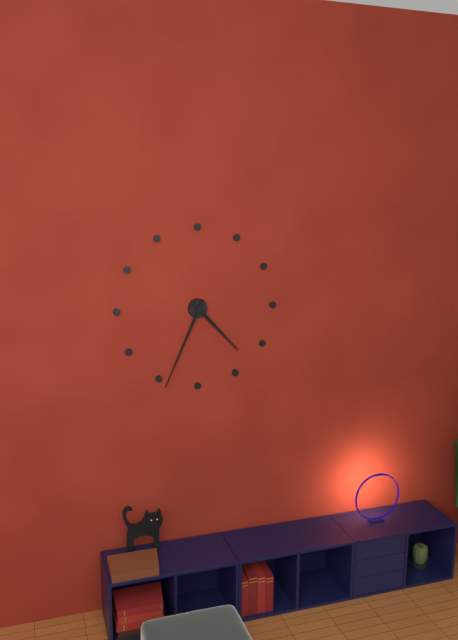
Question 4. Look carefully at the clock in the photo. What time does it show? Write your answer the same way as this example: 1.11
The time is 4.34
